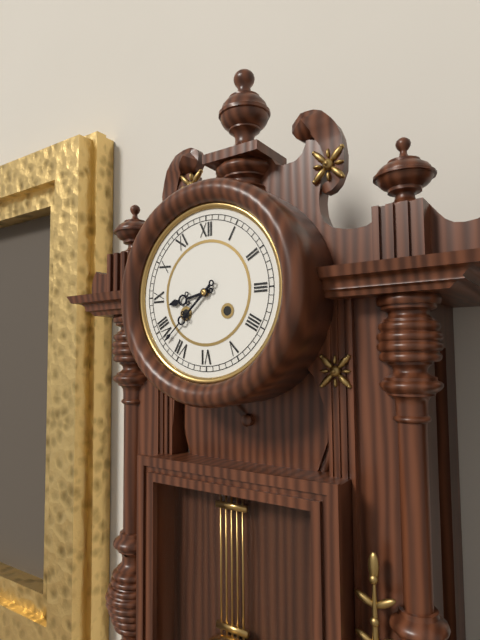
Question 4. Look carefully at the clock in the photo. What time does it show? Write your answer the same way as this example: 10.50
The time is 8.38
